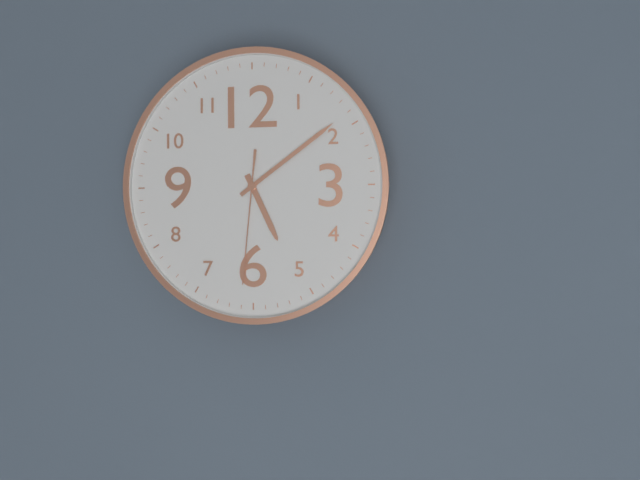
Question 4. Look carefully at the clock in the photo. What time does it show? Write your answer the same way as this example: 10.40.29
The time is 5.09.31
